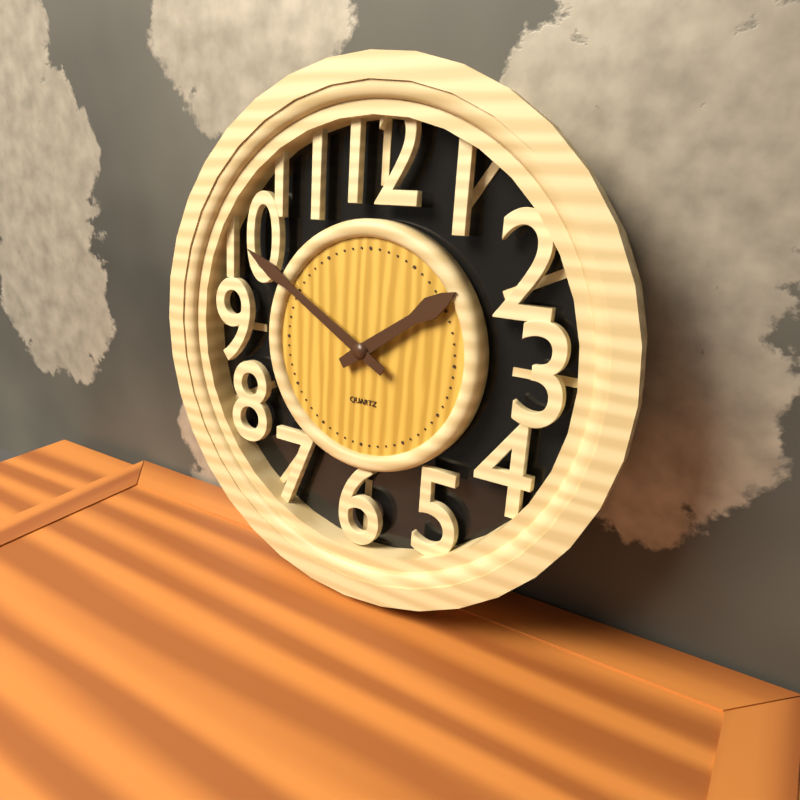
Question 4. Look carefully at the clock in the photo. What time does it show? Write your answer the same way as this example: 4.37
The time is 1.50
